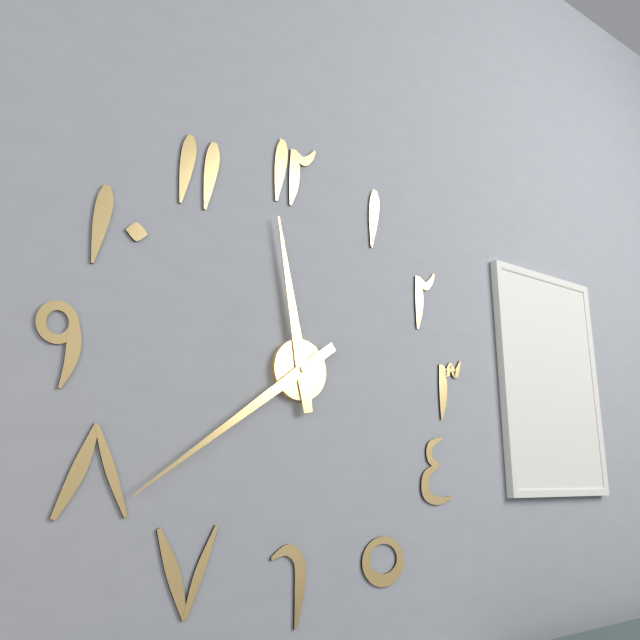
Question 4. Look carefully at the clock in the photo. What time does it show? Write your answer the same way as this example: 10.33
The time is 11.39
